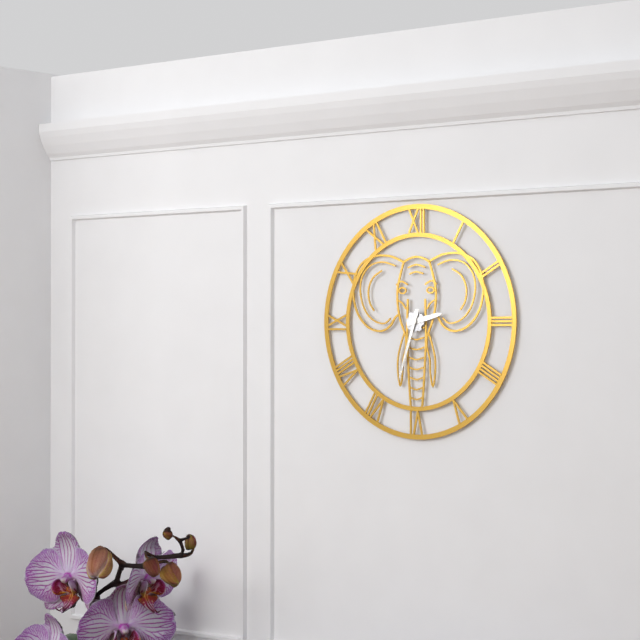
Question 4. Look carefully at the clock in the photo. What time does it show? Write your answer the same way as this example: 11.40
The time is 2.33
